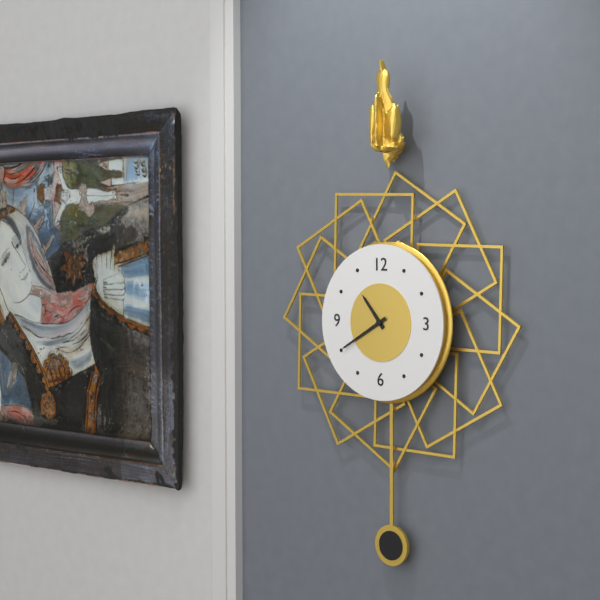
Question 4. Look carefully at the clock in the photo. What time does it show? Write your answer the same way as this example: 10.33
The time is 10.40
